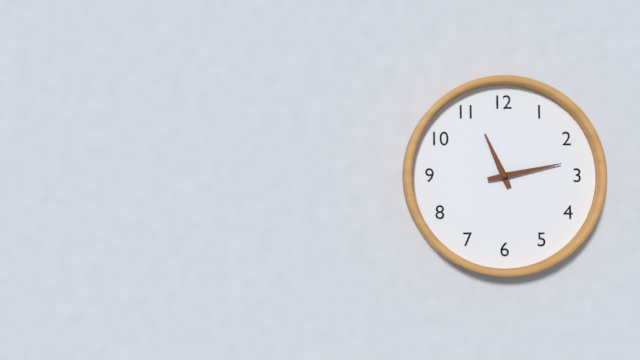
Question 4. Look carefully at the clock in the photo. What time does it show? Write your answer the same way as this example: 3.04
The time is 11.13
